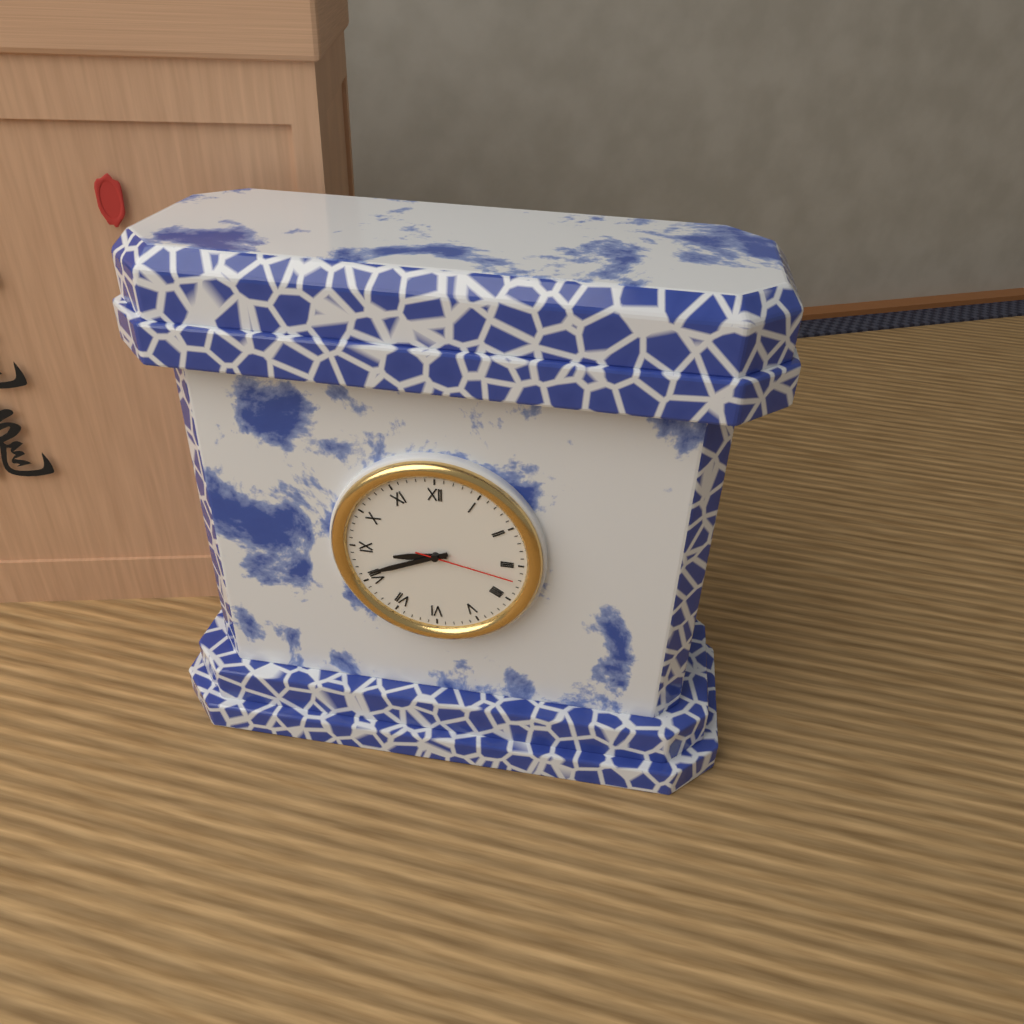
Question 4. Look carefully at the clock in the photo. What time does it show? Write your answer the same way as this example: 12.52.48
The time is 8.41.17
